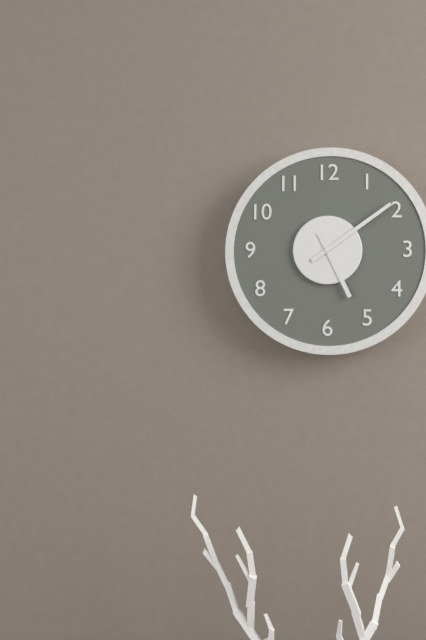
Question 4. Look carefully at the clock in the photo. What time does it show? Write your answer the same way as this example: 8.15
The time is 5.09
